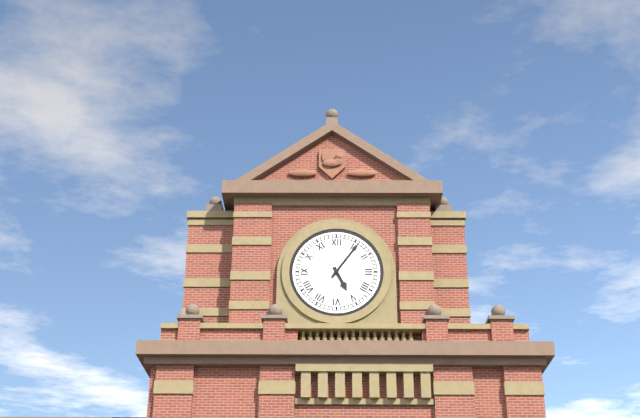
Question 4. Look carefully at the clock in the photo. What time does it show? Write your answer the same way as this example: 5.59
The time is 5.06
